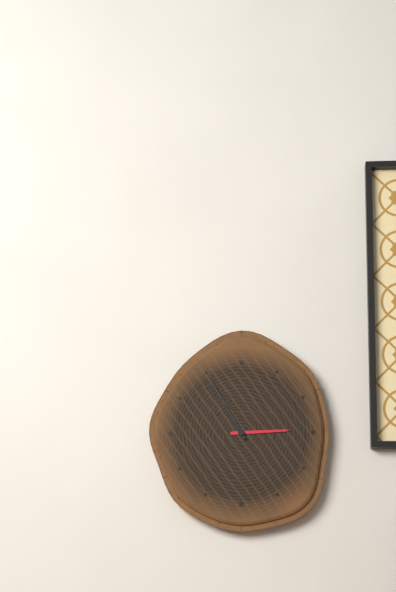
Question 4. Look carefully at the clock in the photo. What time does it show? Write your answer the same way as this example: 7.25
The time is 2.55
